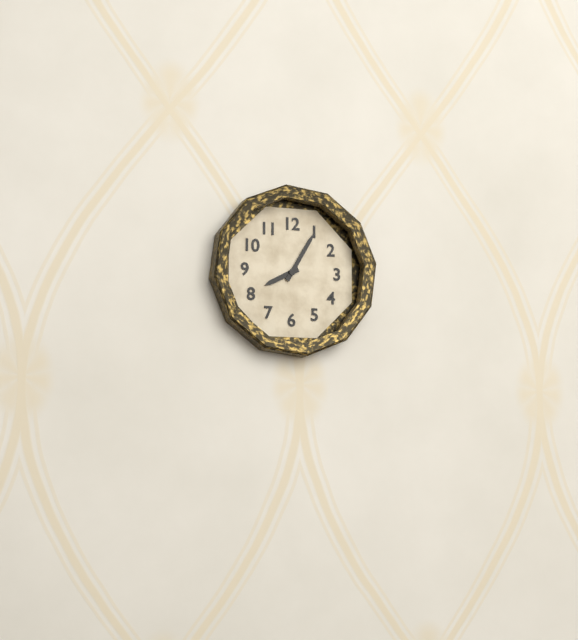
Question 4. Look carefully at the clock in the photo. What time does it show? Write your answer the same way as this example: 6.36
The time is 8.05
